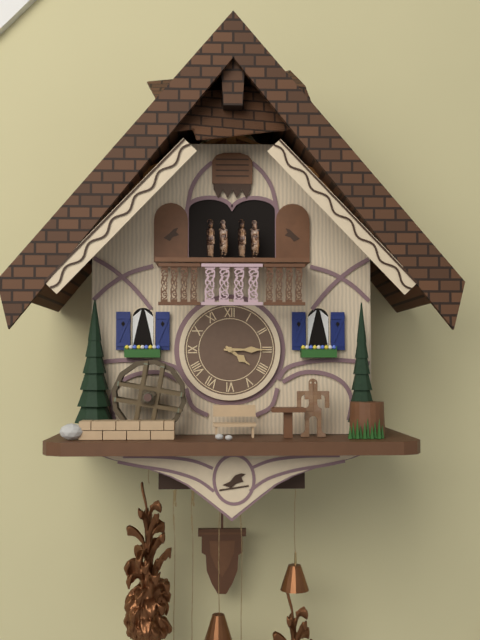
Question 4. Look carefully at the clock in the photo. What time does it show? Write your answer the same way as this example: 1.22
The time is 4.15
